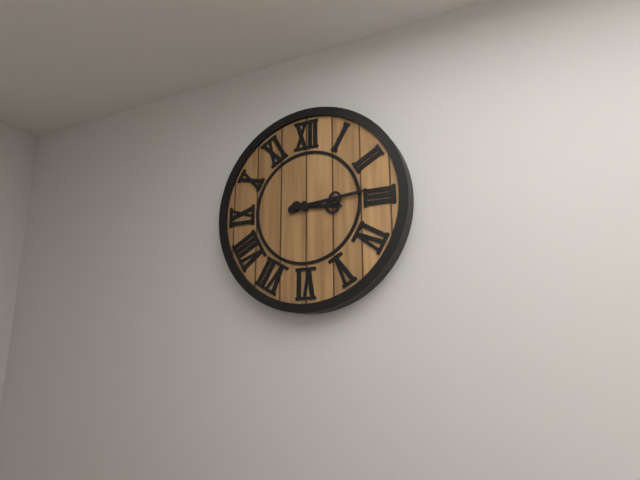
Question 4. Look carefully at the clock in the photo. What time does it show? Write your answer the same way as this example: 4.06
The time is 3.14
